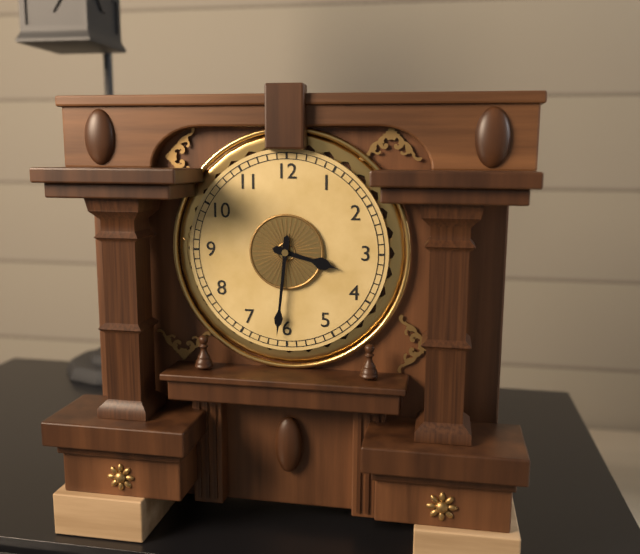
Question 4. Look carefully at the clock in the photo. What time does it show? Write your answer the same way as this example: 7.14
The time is 3.31
